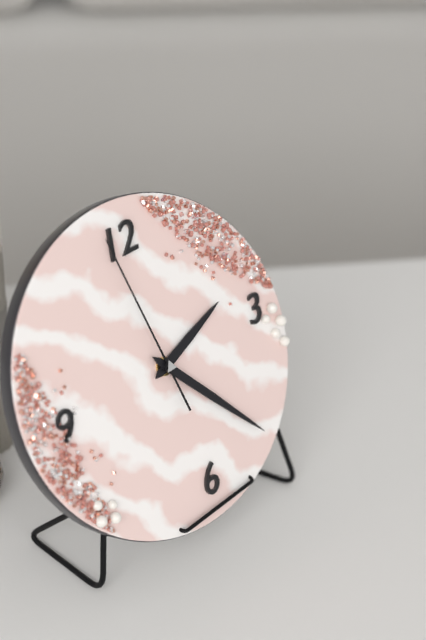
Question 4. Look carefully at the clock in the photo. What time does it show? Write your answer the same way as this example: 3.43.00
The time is 2.24.59
